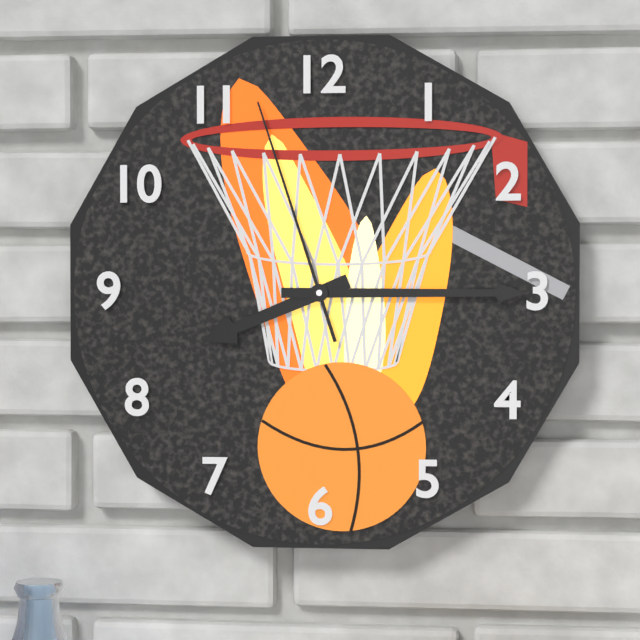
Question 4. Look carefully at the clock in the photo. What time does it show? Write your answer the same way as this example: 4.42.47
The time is 8.15.57
